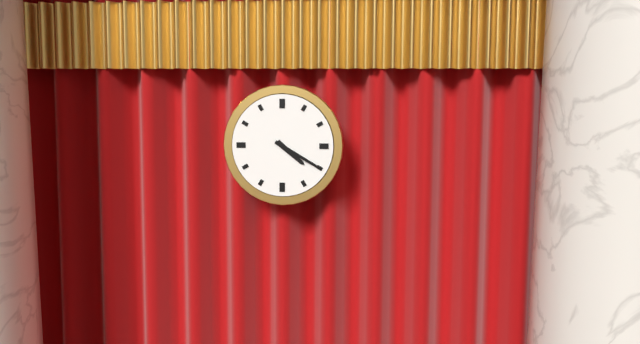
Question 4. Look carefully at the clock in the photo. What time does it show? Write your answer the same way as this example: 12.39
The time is 4.20
